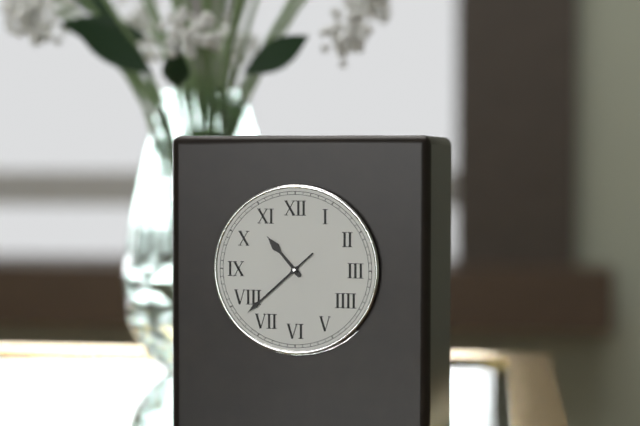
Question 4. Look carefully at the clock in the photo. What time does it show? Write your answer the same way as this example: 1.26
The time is 10.38
